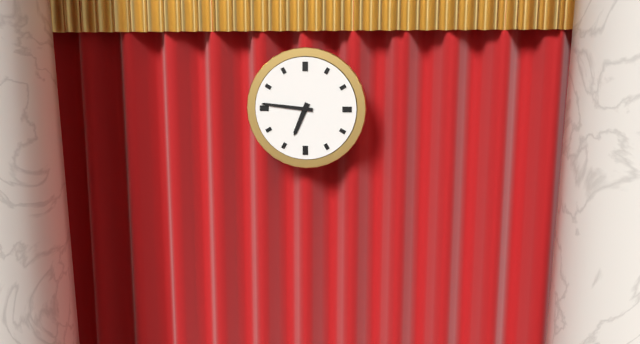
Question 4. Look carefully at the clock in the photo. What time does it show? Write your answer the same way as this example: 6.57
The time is 6.46
